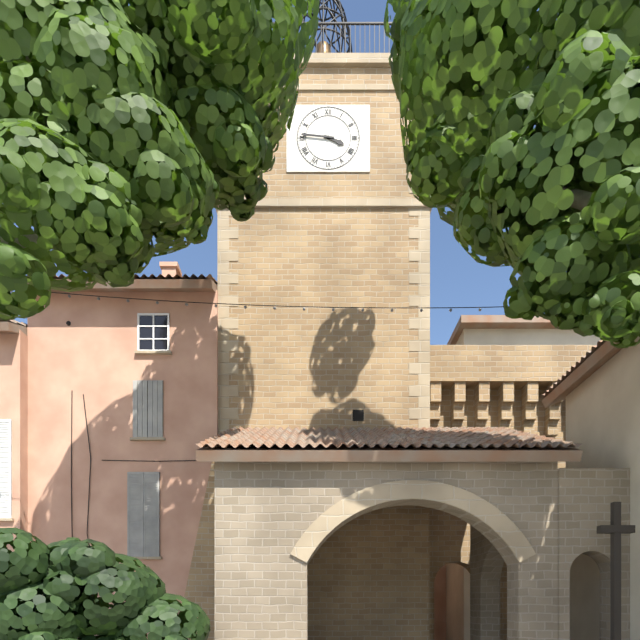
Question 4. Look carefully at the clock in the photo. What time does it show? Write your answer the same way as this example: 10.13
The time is 3.46
